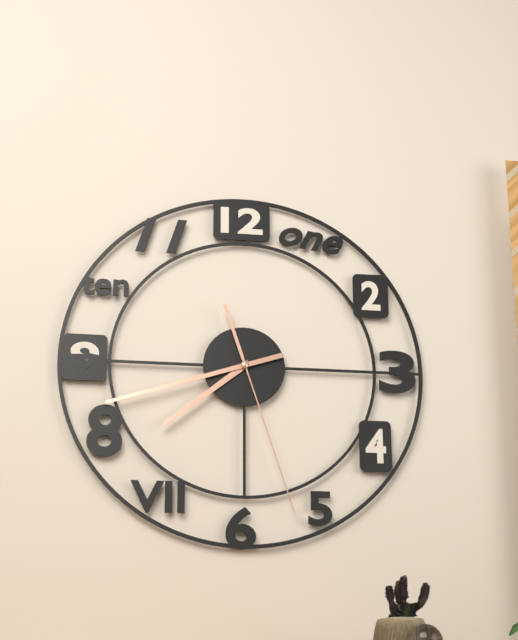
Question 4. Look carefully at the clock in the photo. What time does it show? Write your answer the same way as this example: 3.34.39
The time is 7.42.27
